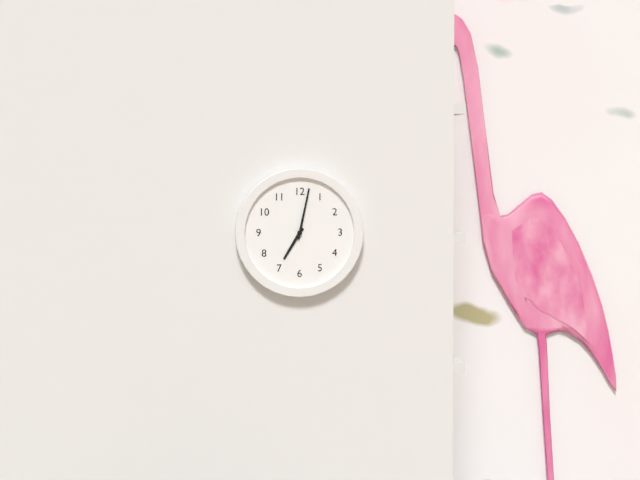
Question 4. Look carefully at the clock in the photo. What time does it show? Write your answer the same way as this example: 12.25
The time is 7.02
